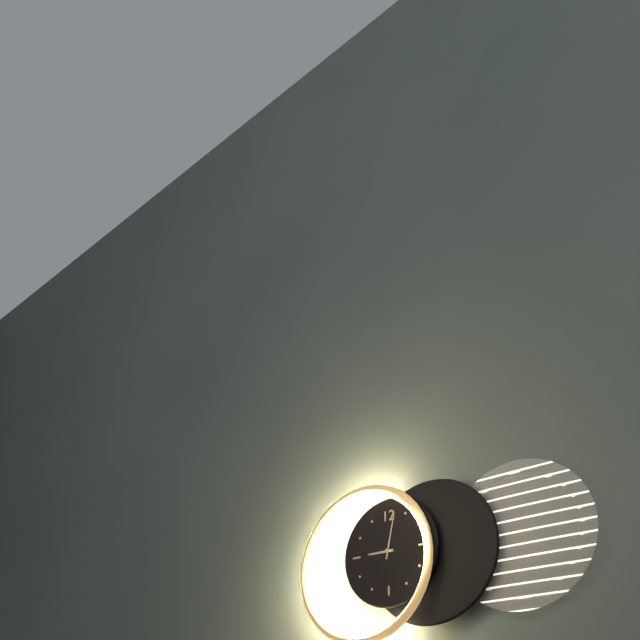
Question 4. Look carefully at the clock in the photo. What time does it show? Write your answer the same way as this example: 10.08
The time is 9.02
